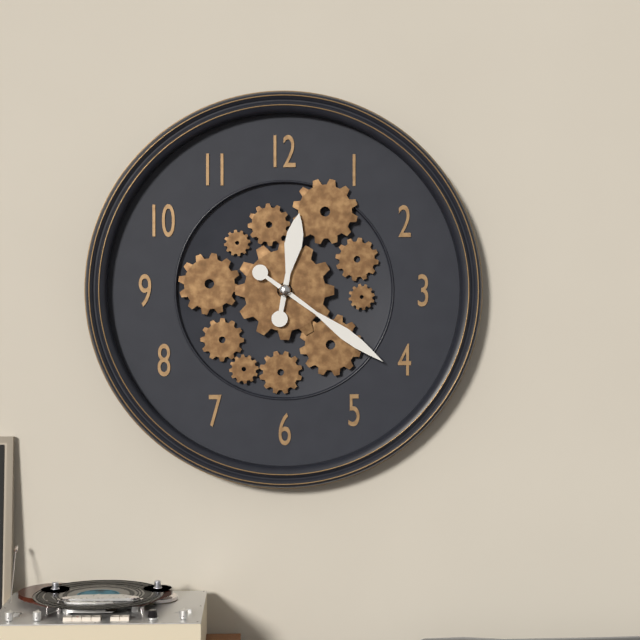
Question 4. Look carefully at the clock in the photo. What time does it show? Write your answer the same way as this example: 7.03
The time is 12.21
